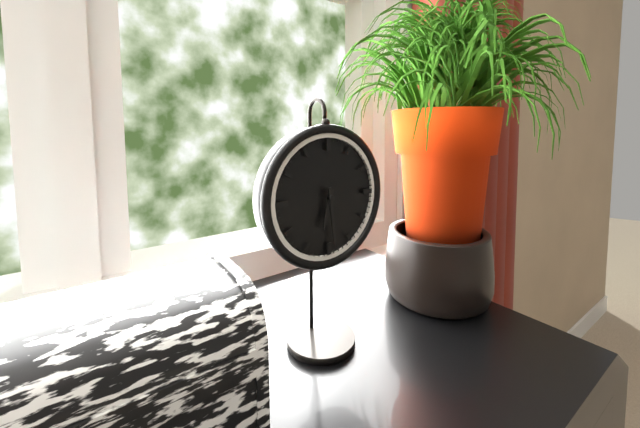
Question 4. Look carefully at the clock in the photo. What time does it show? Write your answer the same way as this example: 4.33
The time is 6.29
